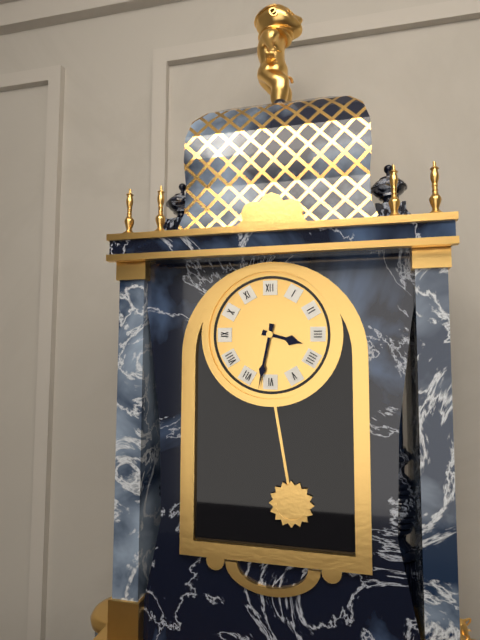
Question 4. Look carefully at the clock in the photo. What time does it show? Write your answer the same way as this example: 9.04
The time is 3.32
